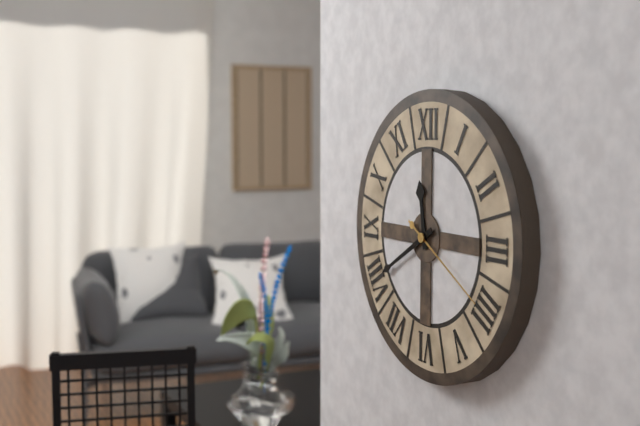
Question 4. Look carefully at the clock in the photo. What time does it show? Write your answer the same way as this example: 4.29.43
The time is 11.40.20
